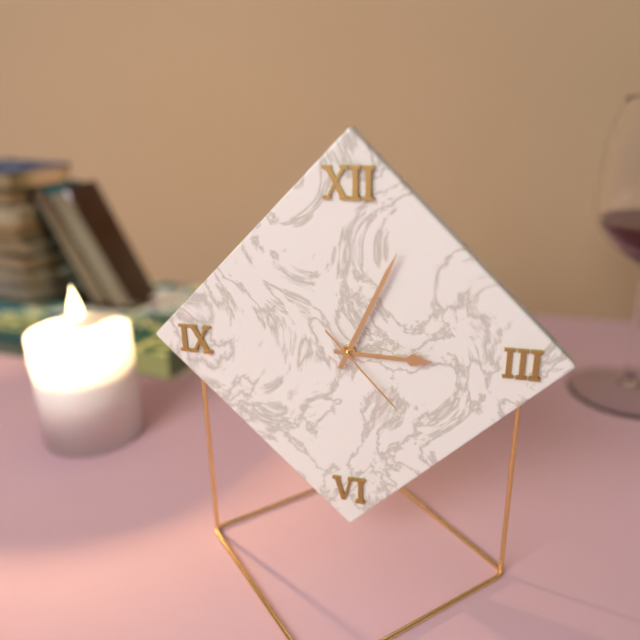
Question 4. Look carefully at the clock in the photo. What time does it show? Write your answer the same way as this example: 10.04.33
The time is 3.04.23
